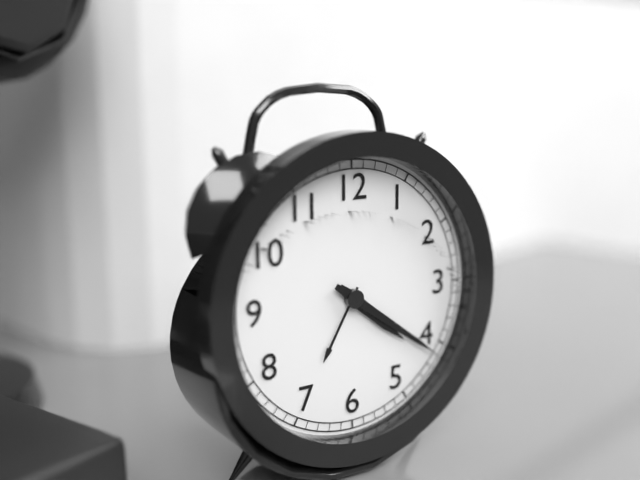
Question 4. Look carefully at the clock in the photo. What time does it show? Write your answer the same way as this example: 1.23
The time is 4.21
